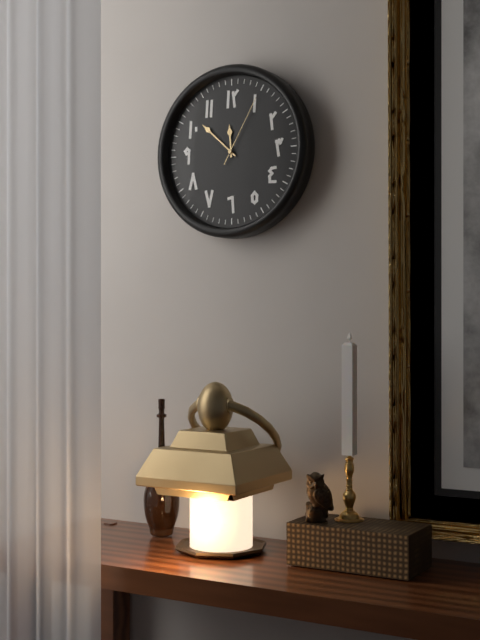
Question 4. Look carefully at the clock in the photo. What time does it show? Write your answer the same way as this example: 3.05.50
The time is 11.52.05
